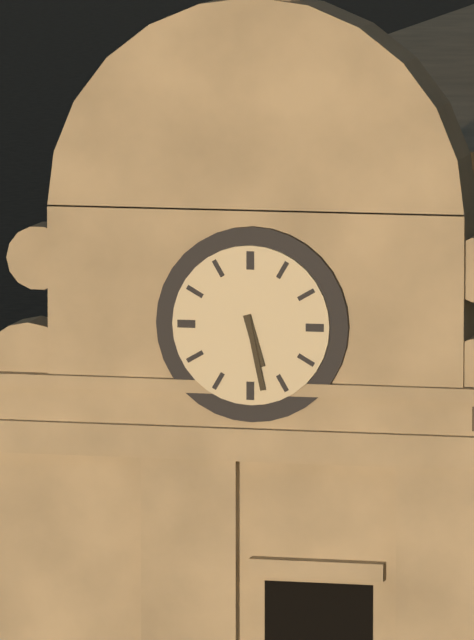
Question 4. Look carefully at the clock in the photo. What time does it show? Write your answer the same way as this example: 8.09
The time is 5.28
